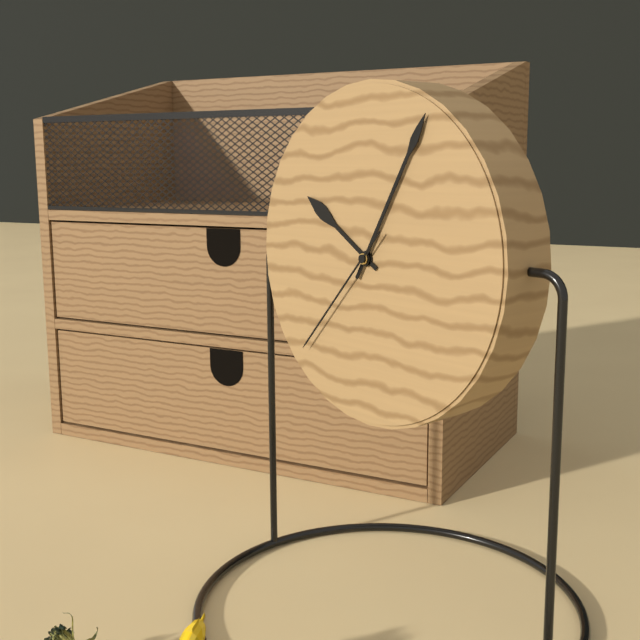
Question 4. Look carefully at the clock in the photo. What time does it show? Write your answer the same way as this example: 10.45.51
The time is 10.05.37
